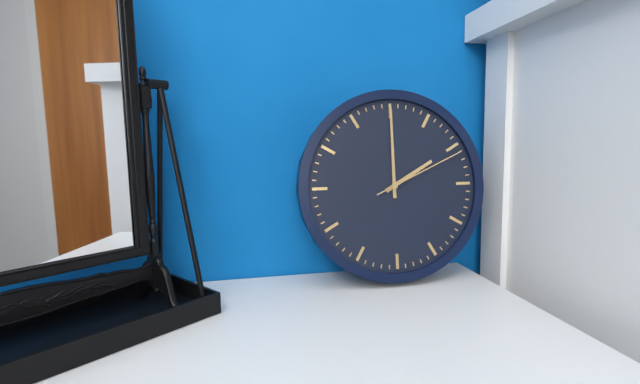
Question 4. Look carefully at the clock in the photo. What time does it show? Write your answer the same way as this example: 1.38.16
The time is 2.00.11
